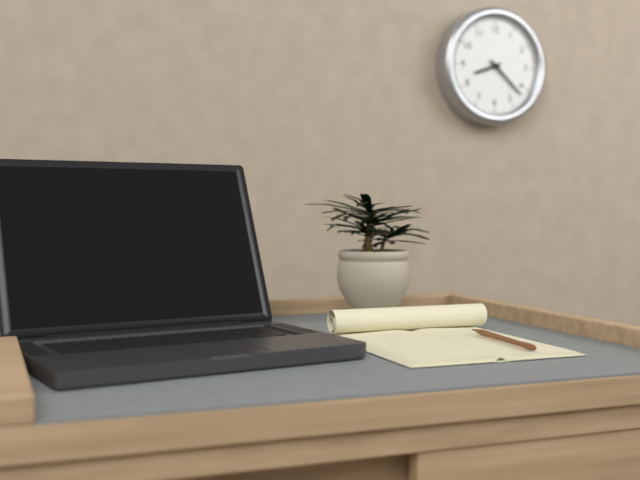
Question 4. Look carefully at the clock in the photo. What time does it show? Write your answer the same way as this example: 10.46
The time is 8.22
